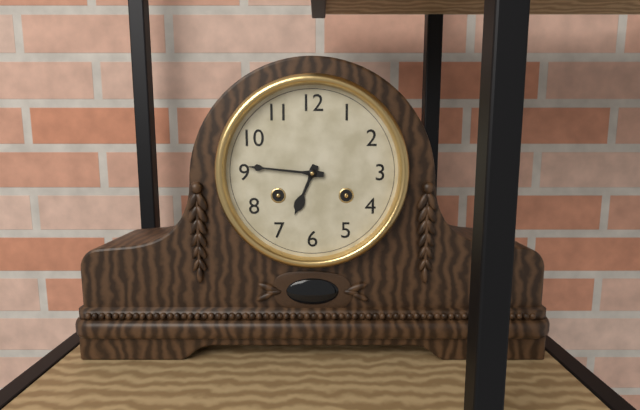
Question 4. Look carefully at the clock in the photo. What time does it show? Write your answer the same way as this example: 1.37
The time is 6.46
